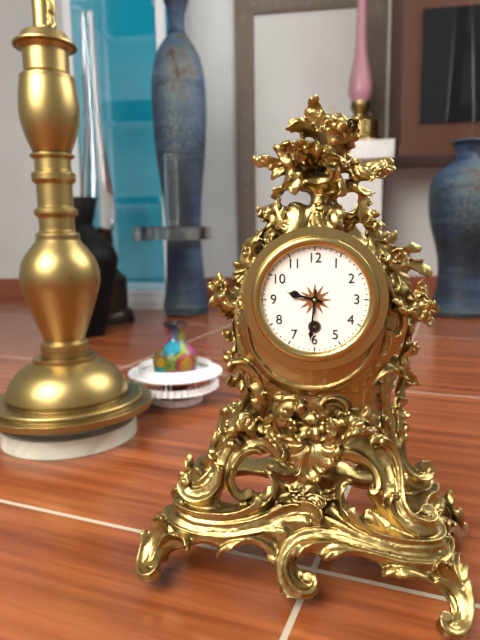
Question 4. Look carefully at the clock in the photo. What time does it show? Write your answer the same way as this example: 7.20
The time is 9.31
